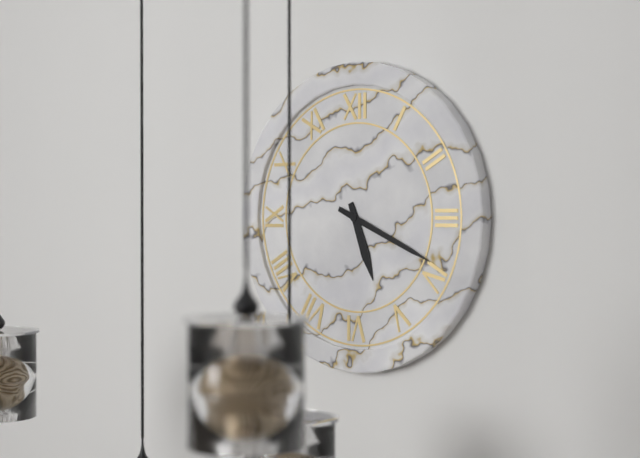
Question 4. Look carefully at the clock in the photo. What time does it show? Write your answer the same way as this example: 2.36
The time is 5.19
